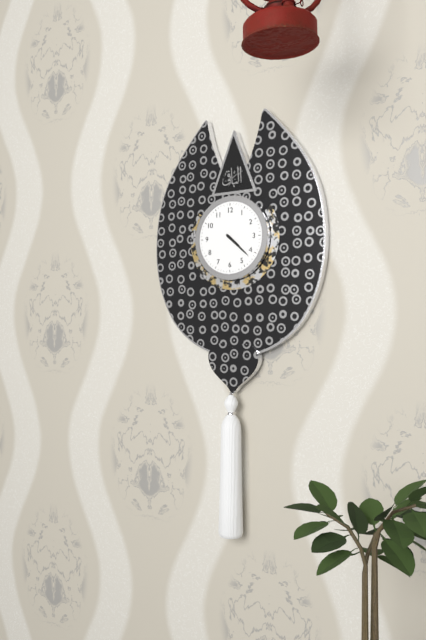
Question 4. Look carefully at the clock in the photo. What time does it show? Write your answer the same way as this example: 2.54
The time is 4.22
